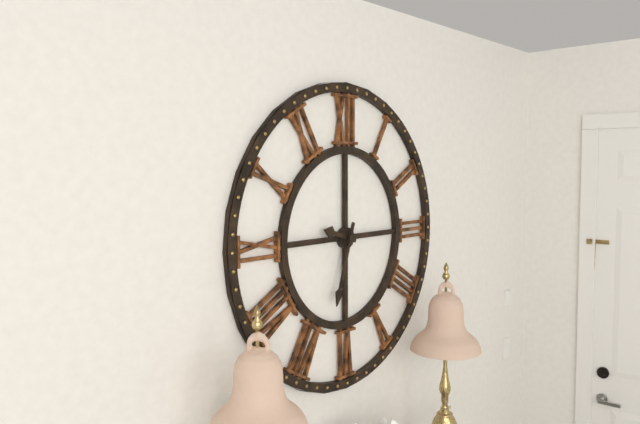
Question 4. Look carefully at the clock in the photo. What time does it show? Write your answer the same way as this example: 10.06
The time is 9.33
